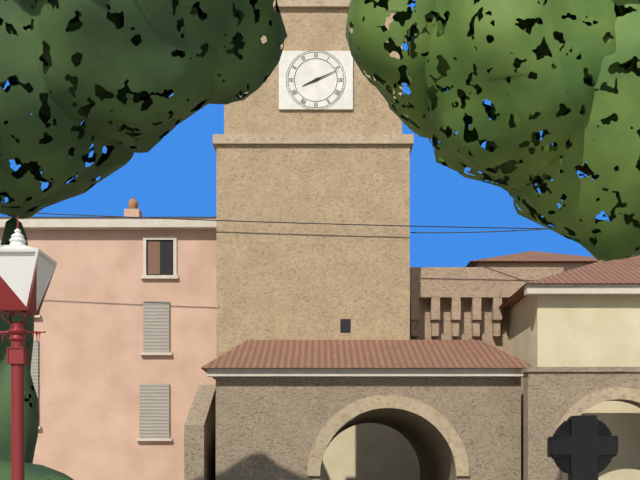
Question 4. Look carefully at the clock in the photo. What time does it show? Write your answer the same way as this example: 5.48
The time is 8.11
